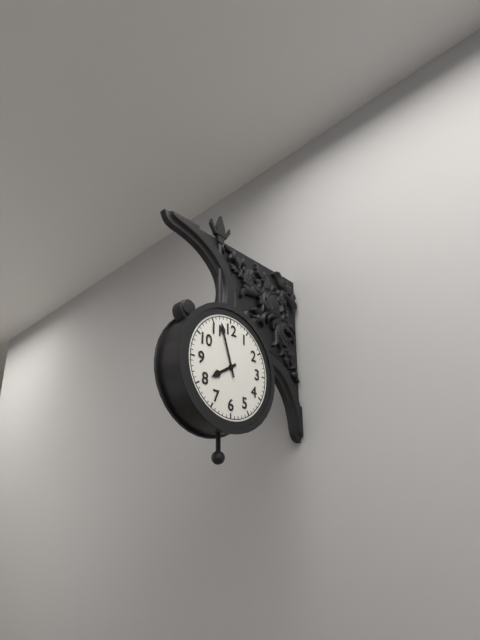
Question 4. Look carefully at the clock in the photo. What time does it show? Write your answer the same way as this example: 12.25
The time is 7.57
